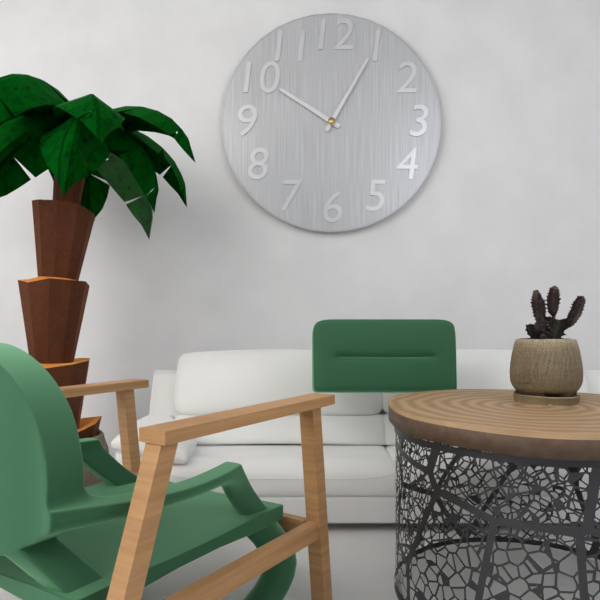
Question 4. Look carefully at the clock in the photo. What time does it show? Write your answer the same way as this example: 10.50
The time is 10.05
